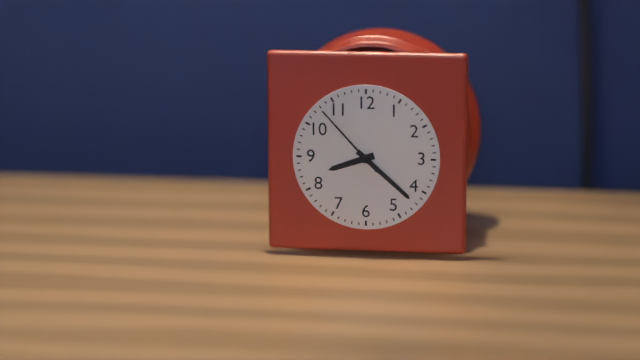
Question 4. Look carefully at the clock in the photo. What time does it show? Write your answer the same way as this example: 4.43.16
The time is 8.22.53
